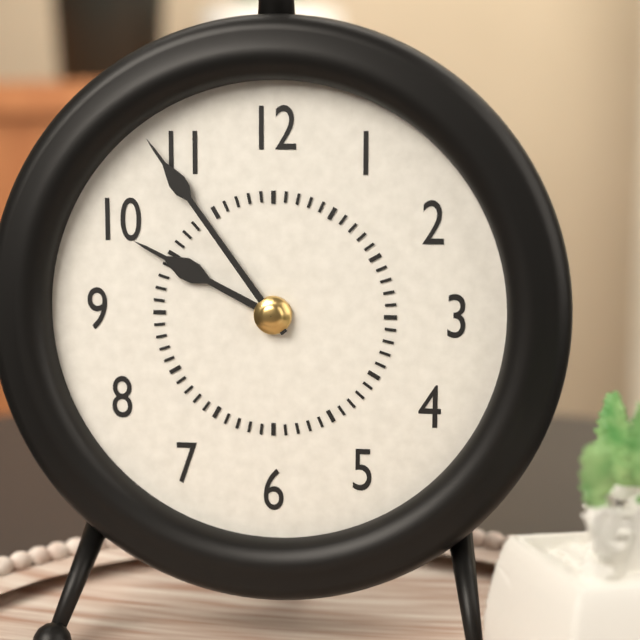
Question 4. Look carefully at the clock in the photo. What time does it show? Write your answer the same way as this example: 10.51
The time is 9.54
